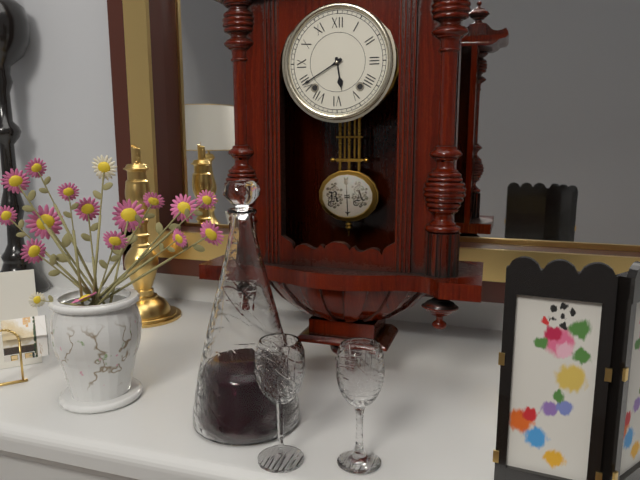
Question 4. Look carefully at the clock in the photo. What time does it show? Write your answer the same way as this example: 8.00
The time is 5.40
